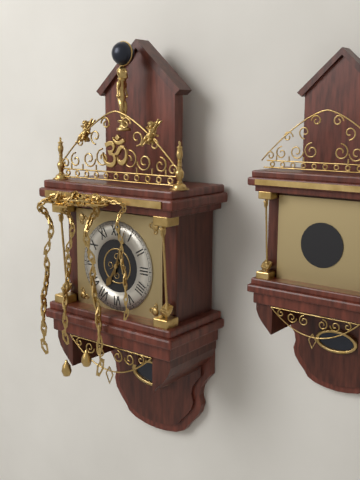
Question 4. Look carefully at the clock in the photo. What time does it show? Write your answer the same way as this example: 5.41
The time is 7.03
